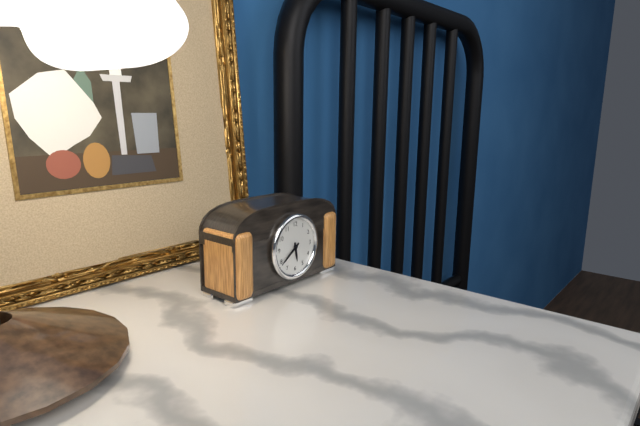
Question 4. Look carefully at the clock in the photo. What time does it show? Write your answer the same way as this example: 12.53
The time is 5.39
